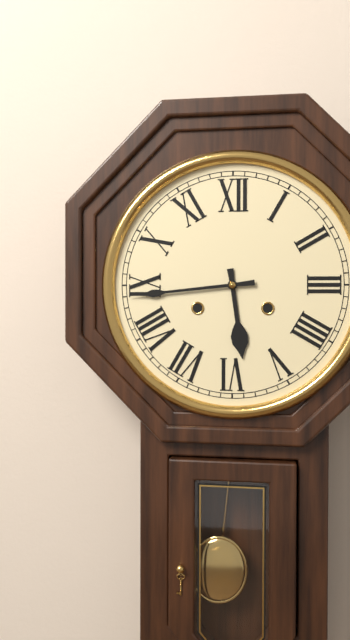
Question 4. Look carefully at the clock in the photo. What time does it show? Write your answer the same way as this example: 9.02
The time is 5.44
